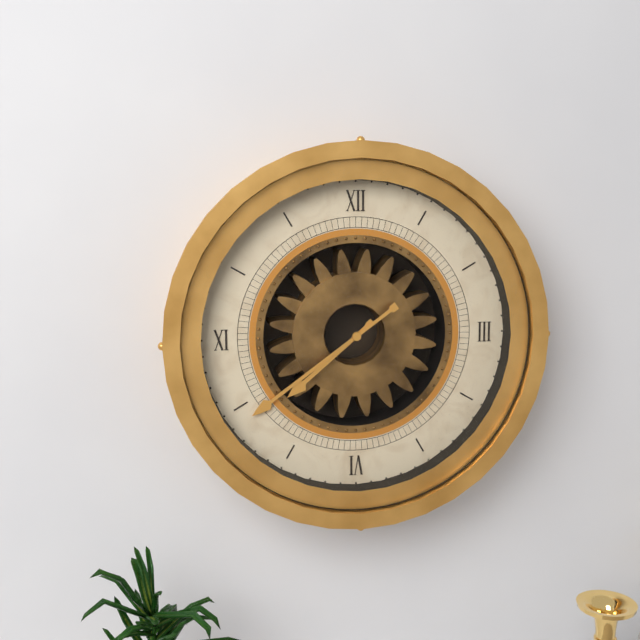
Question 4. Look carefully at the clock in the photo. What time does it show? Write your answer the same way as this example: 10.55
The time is 7.39
